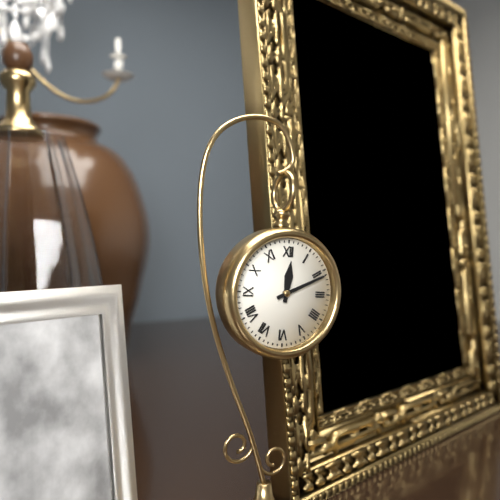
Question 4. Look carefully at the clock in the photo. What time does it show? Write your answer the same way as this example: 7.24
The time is 12.11
